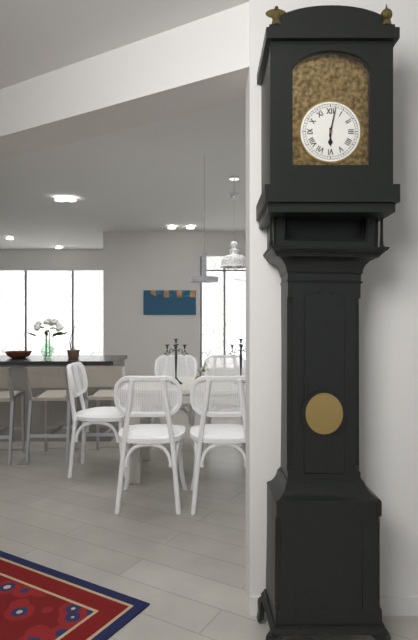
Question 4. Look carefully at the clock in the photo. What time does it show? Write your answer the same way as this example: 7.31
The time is 6.02
